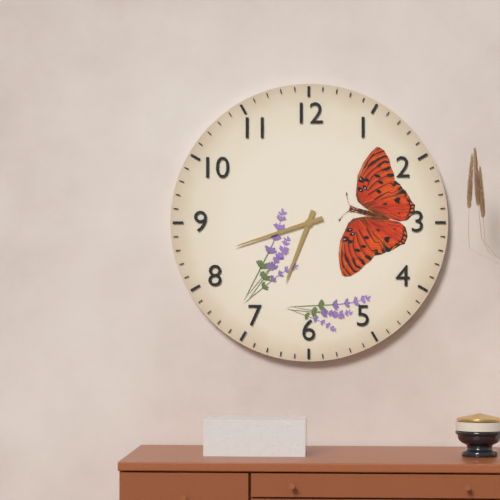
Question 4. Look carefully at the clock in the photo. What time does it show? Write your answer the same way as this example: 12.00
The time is 6.42
